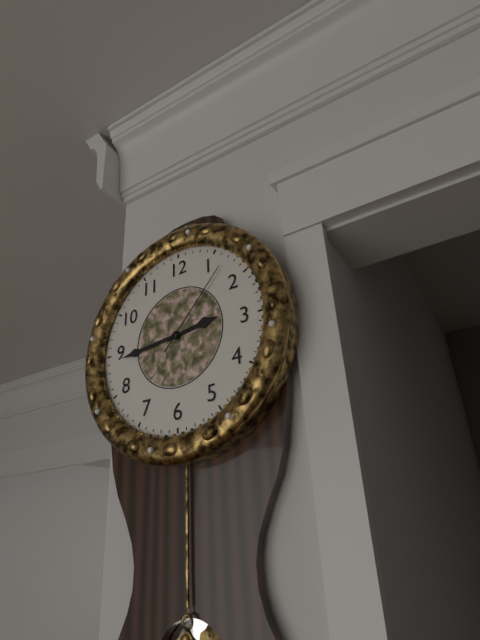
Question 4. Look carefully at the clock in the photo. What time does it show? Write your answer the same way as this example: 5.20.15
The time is 2.44.07
